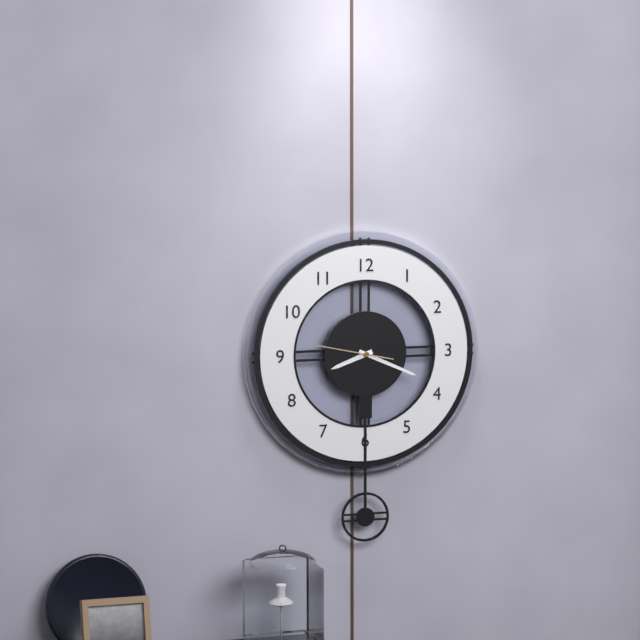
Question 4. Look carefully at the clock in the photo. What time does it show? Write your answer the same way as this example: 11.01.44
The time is 8.19.47
